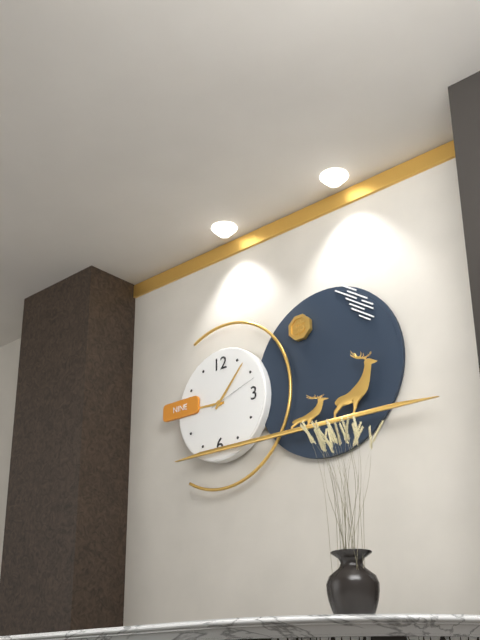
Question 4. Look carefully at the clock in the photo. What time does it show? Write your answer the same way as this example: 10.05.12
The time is 9.07.12
